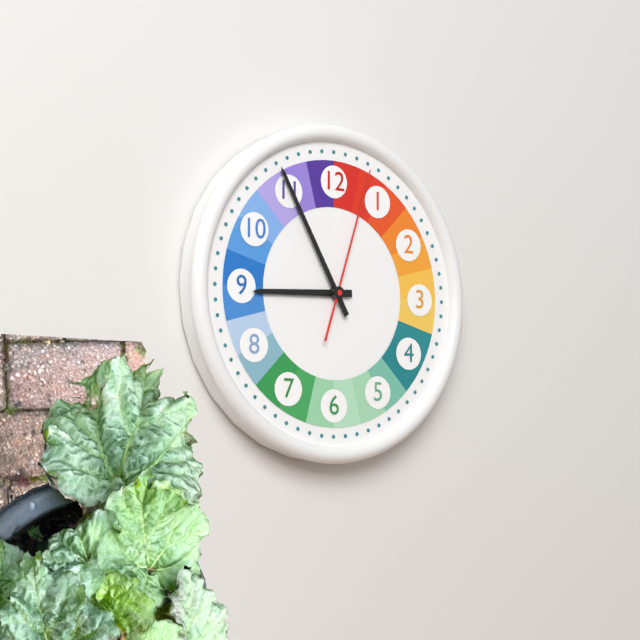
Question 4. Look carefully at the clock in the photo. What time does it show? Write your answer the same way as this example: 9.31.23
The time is 8.55.03
